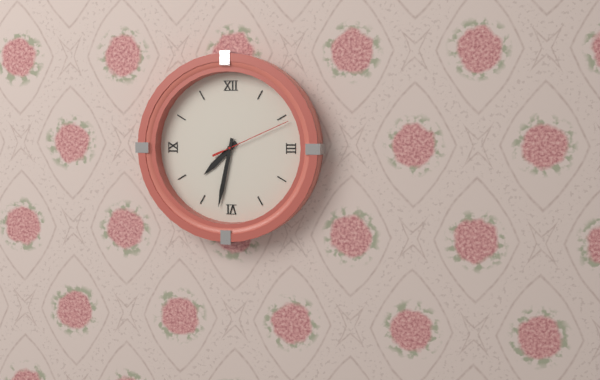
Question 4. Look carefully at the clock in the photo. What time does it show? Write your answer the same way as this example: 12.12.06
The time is 7.32.11
